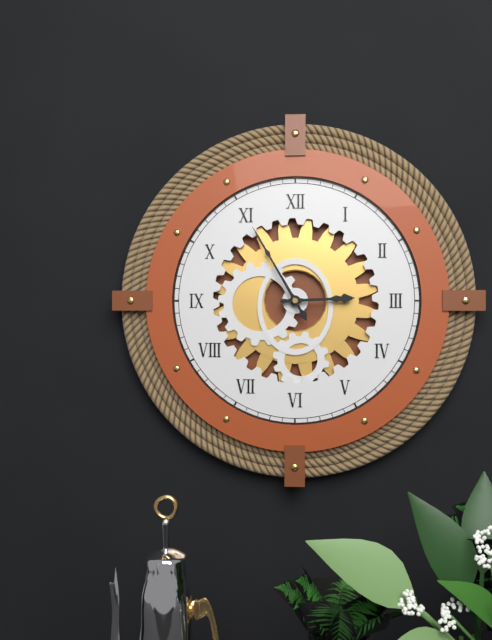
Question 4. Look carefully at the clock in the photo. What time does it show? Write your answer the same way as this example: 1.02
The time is 2.55
